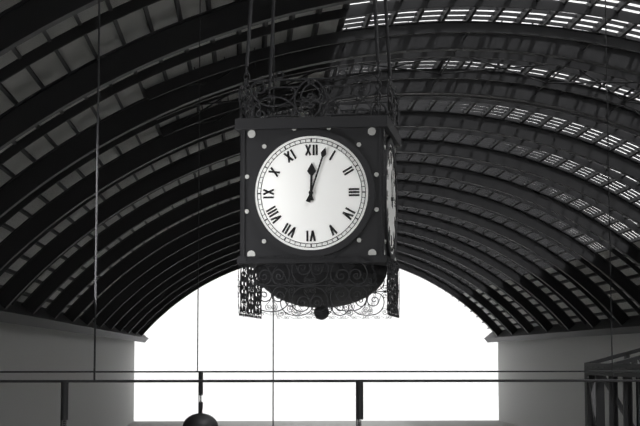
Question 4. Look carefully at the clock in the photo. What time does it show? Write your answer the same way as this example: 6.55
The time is 12.03
